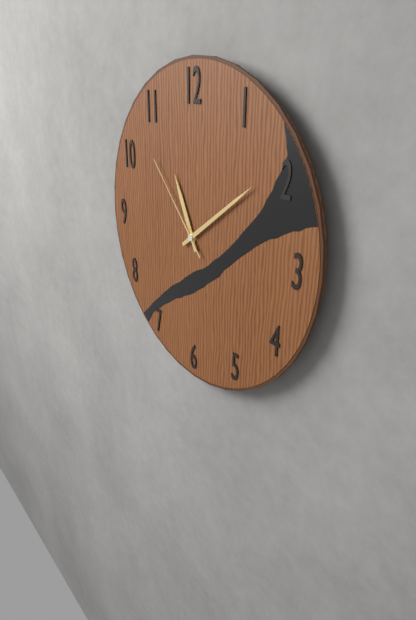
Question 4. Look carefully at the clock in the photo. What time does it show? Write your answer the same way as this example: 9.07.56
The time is 11.09.53
